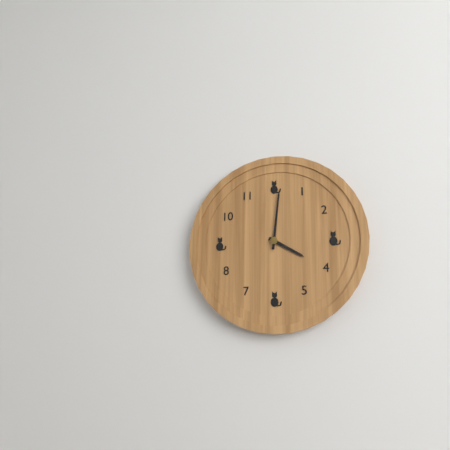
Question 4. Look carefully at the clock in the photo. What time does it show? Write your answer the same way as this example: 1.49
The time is 4.01
